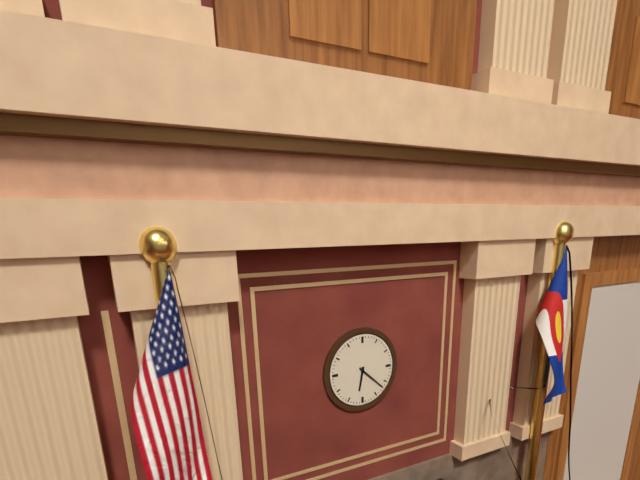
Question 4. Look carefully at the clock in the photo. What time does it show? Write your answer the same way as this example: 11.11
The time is 6.22
